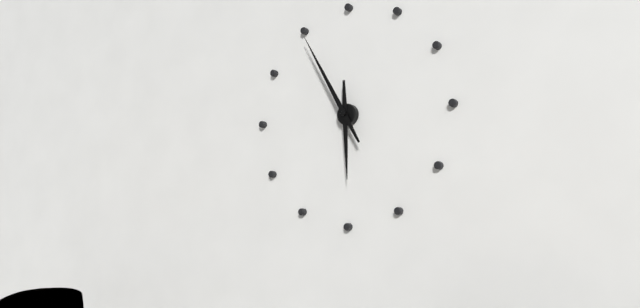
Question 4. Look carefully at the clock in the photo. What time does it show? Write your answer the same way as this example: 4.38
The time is 5.55
